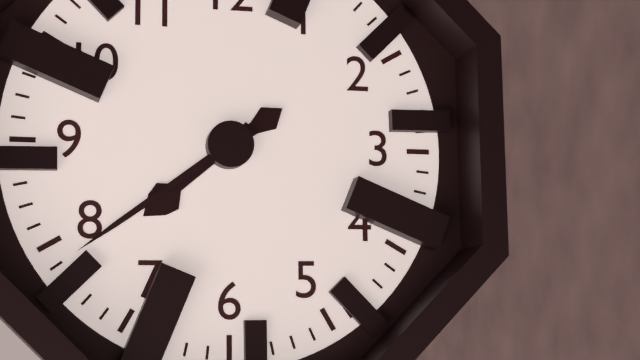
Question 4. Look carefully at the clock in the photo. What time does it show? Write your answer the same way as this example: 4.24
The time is 7.39
